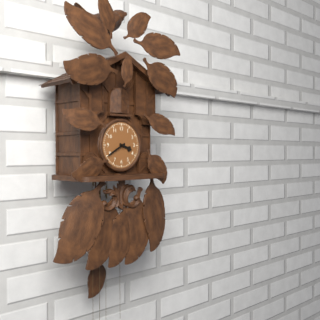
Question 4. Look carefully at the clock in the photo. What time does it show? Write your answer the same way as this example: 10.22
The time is 3.40
